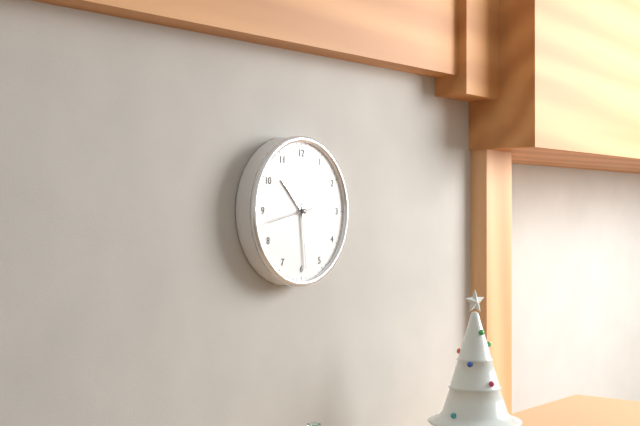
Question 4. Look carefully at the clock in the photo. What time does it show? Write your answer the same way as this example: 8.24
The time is 10.29
